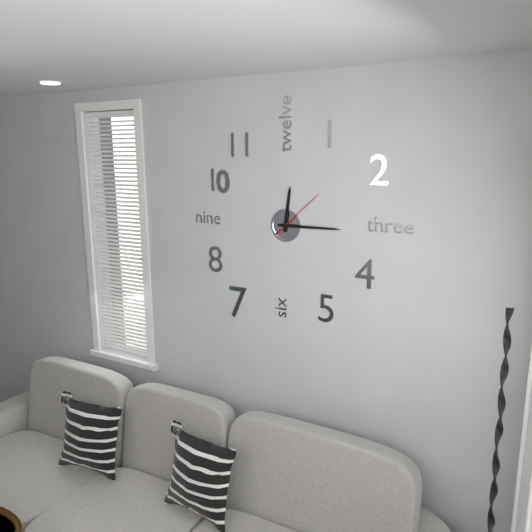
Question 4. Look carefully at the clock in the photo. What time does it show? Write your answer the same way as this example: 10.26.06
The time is 12.15.08
